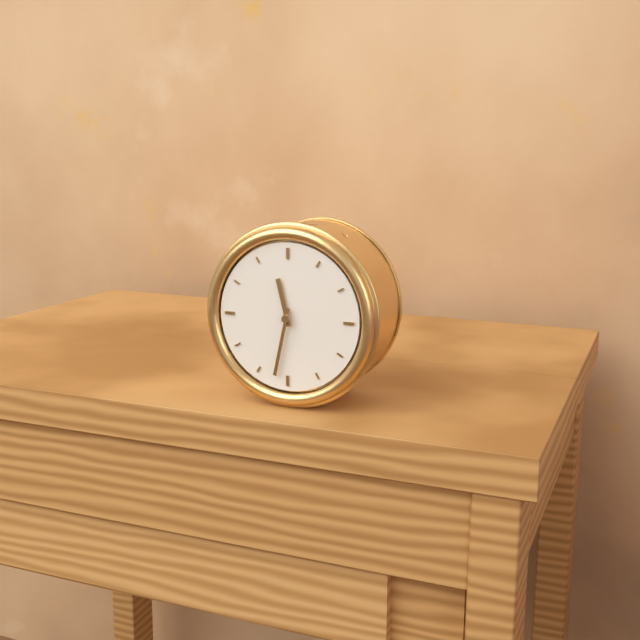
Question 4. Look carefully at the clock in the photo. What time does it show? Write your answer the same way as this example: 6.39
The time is 11.32
